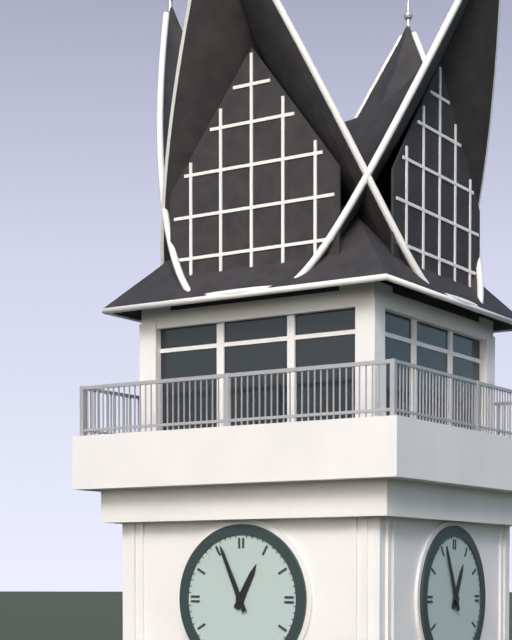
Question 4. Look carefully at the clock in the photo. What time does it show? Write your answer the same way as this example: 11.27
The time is 12.56
